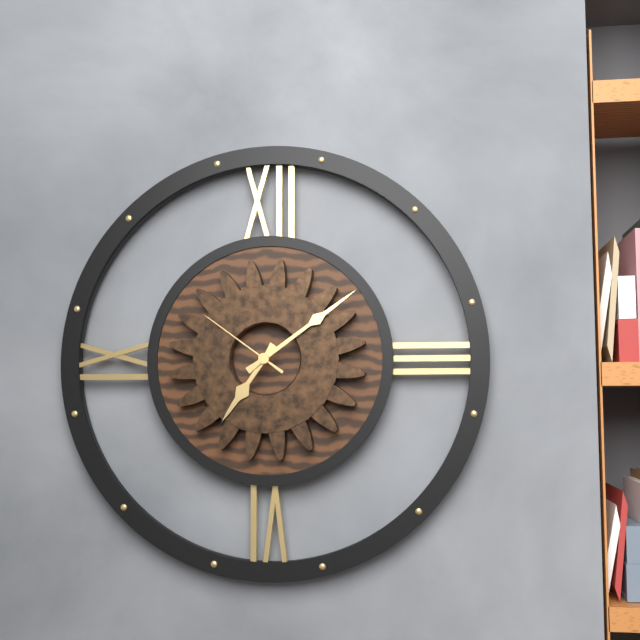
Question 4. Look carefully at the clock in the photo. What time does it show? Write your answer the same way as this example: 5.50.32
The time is 7.09.51
